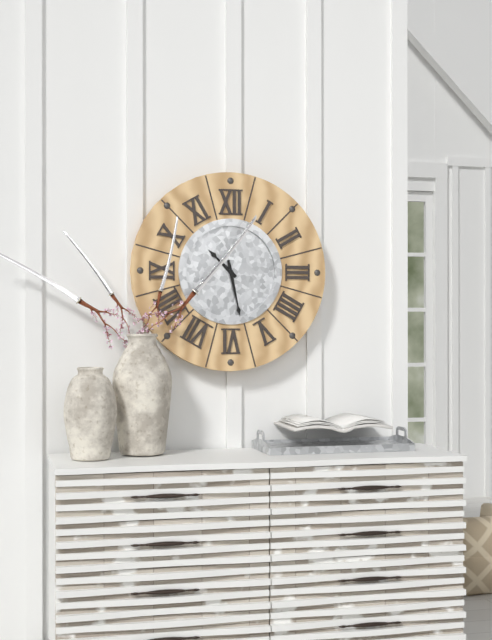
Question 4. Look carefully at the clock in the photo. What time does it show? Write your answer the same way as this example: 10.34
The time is 10.28
